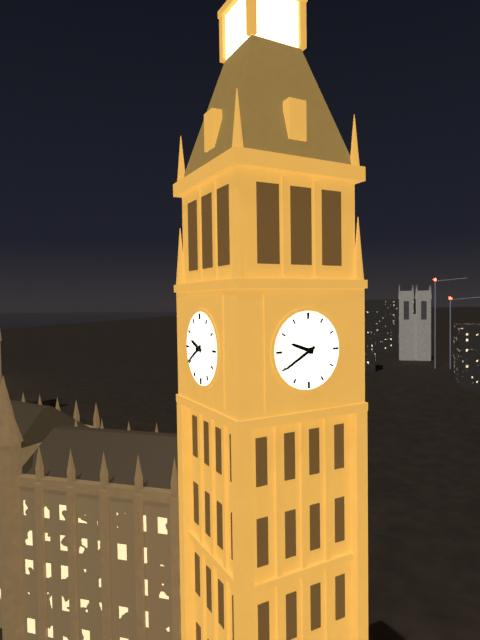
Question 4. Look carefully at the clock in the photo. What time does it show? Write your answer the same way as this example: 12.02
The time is 9.40
